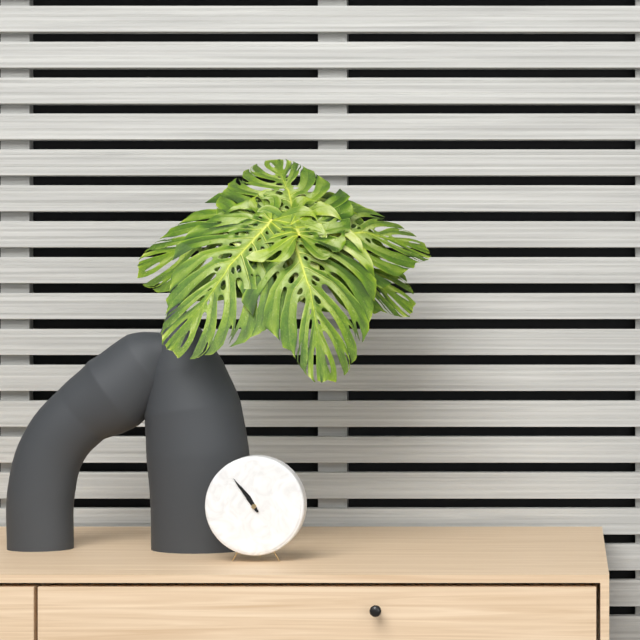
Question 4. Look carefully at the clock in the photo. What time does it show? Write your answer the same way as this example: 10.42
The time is 10.54
